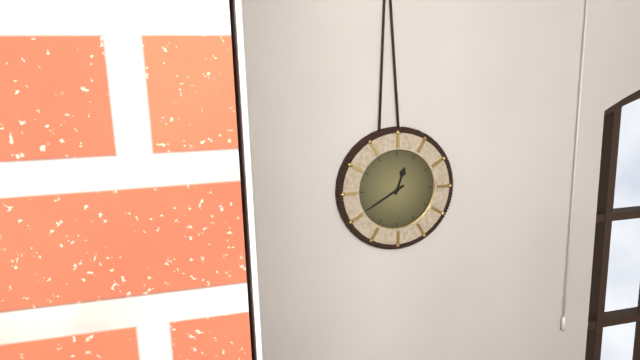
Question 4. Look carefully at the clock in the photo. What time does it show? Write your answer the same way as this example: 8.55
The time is 12.40
